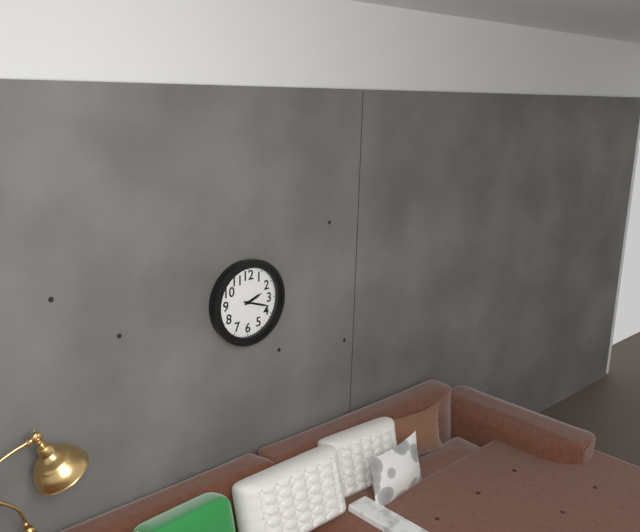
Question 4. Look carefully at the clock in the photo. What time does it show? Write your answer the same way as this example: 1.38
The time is 2.18
